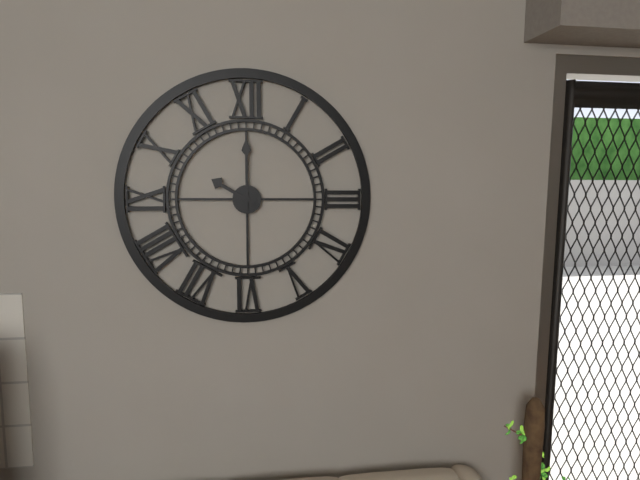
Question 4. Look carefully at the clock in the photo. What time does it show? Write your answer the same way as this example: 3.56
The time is 10.00
